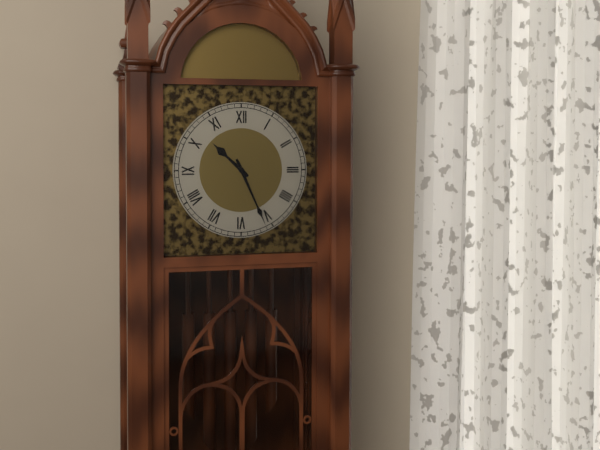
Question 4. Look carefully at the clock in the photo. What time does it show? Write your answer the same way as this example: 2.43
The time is 10.26
